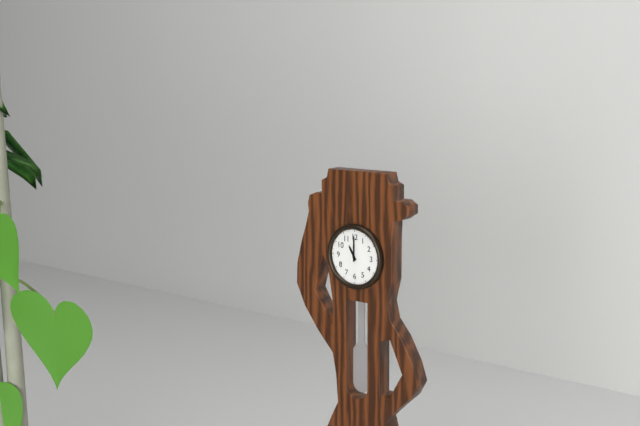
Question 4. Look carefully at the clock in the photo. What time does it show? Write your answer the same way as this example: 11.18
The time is 11.00
